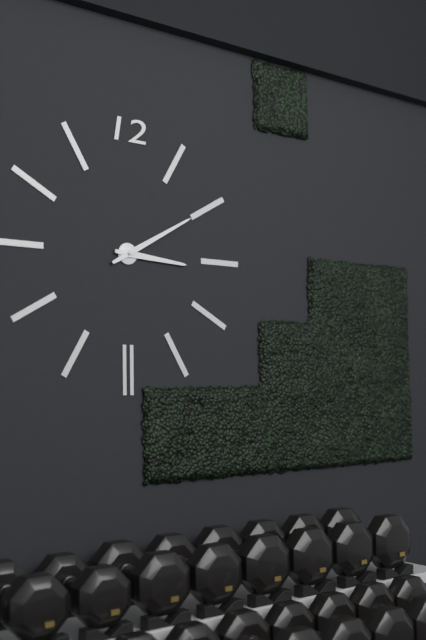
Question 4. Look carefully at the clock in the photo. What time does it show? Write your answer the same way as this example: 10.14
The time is 3.10
